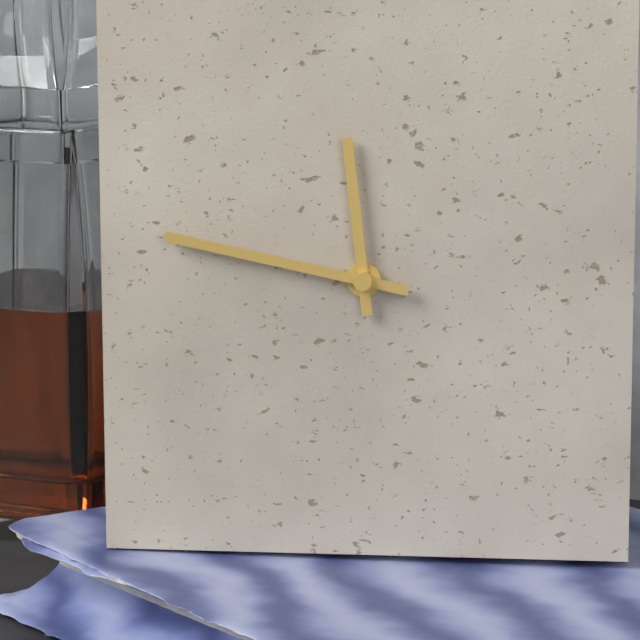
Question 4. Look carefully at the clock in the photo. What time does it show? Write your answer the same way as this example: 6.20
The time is 11.47
